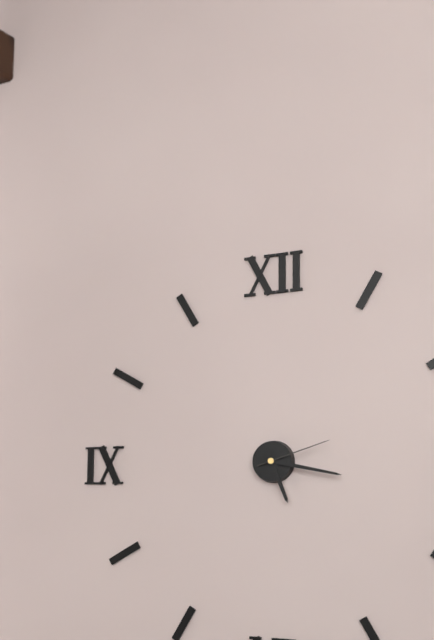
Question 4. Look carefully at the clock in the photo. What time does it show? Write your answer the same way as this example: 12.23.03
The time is 5.17.12
